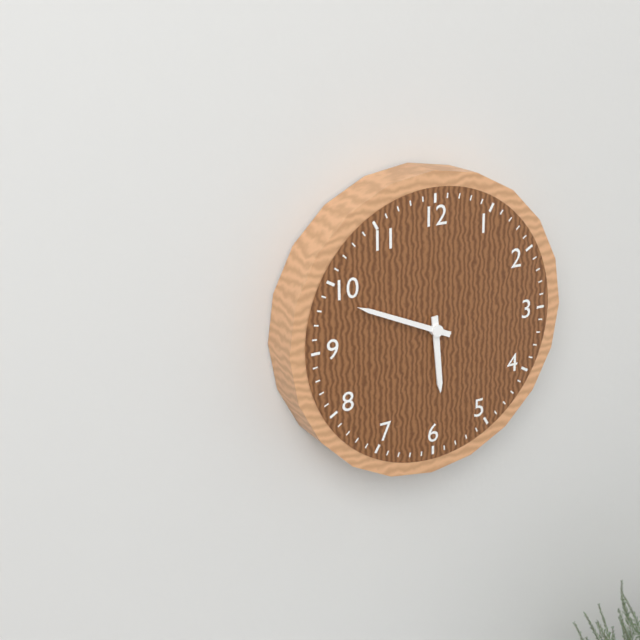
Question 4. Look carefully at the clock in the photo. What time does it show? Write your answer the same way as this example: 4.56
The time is 5.49
